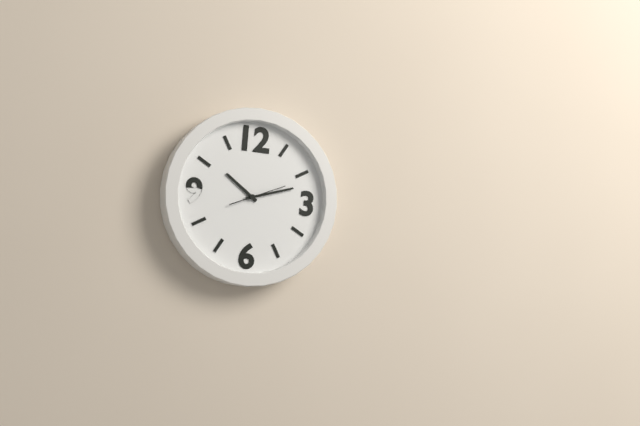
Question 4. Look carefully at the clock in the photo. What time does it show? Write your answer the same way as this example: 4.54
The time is 10.12
